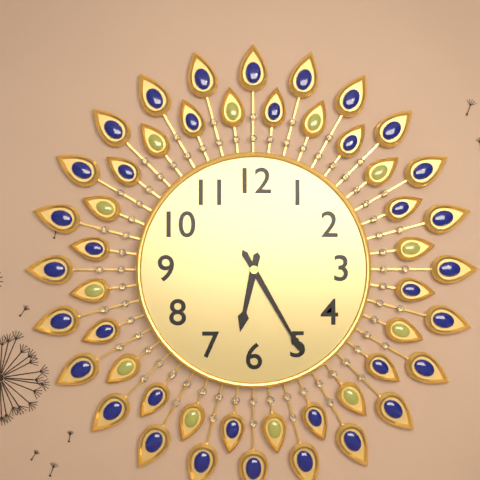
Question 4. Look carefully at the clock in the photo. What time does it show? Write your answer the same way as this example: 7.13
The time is 6.25
